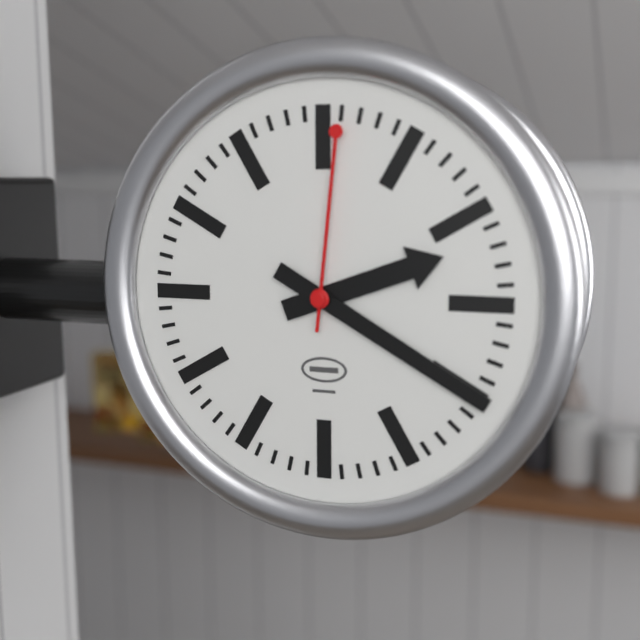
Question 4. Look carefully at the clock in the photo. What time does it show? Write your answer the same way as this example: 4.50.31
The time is 2.20.01
